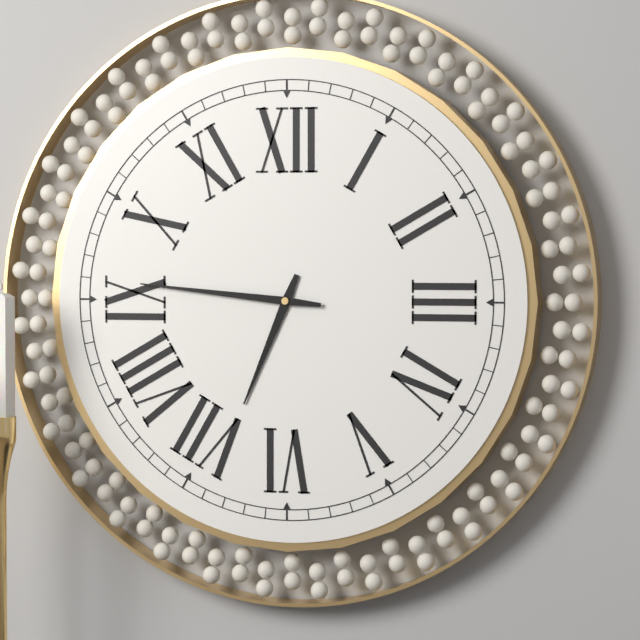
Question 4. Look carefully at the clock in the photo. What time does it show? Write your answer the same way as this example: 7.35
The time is 6.46
